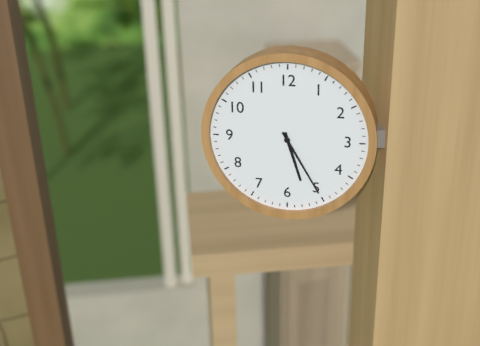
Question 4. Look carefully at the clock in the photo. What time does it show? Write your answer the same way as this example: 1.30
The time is 5.25
